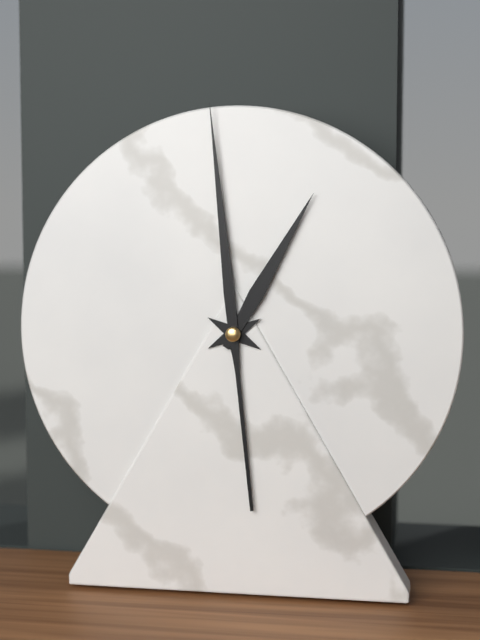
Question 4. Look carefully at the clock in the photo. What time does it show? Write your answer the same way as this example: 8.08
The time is 12.59
